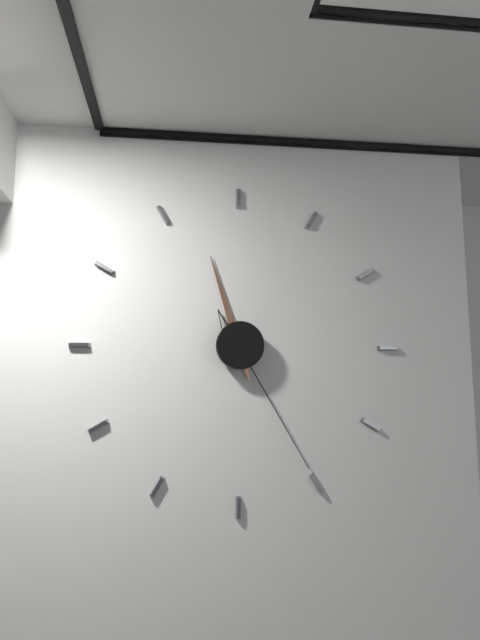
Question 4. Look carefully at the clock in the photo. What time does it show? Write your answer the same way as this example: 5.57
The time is 11.25
